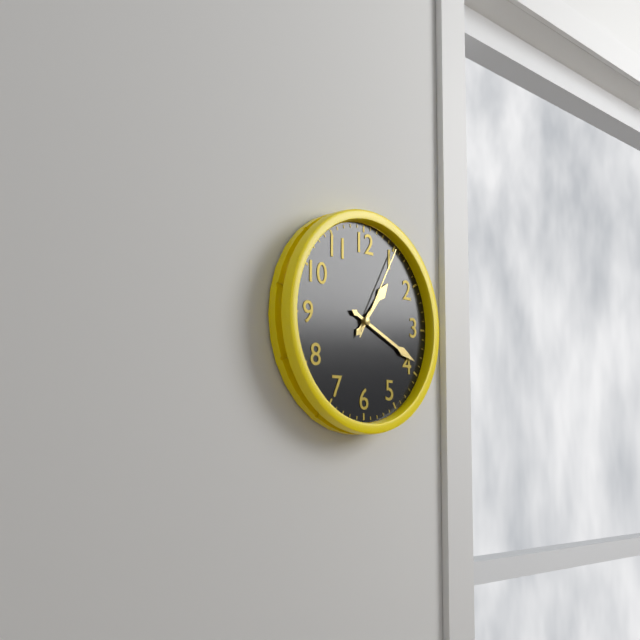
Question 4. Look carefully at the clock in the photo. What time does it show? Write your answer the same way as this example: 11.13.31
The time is 1.19.05
